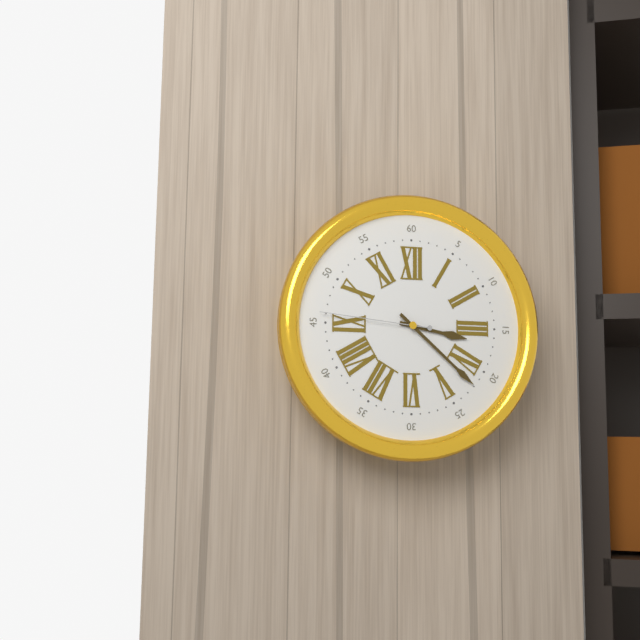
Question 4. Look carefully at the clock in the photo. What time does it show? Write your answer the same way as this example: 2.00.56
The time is 3.22.46
